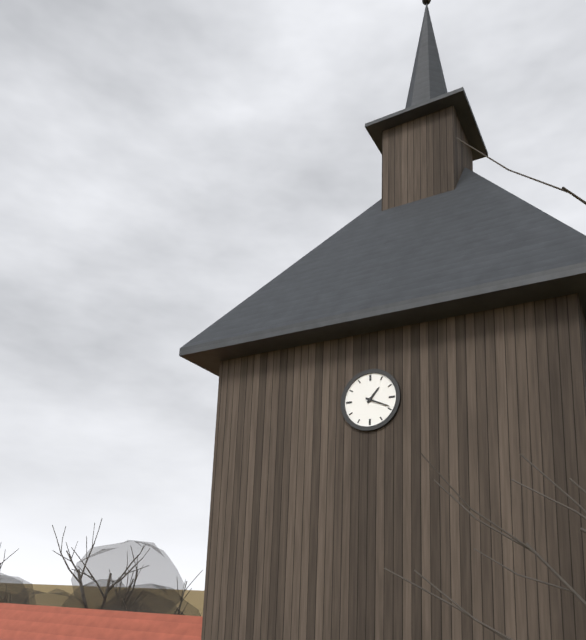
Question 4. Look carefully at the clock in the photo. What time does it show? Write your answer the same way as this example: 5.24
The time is 1.19
